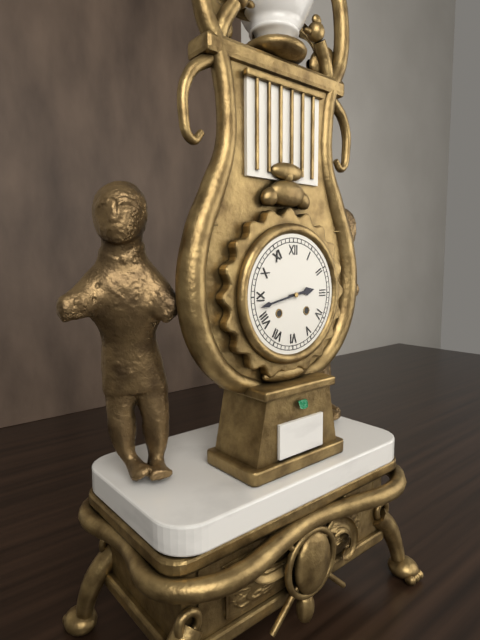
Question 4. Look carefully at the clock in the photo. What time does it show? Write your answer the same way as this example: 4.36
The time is 2.43
